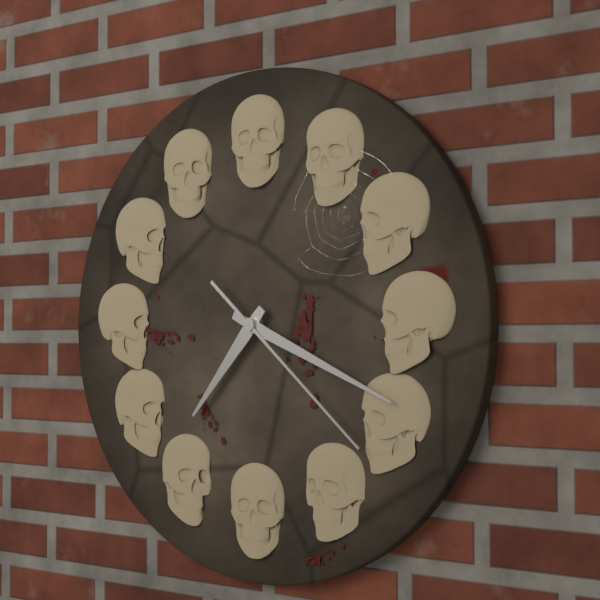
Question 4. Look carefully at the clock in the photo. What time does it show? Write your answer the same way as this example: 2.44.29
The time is 7.19.22
